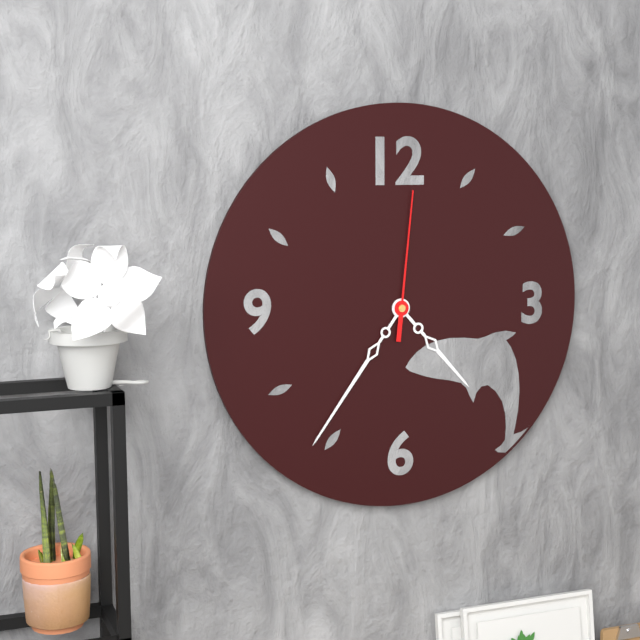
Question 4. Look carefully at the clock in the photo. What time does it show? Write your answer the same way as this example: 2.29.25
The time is 4.36.01
